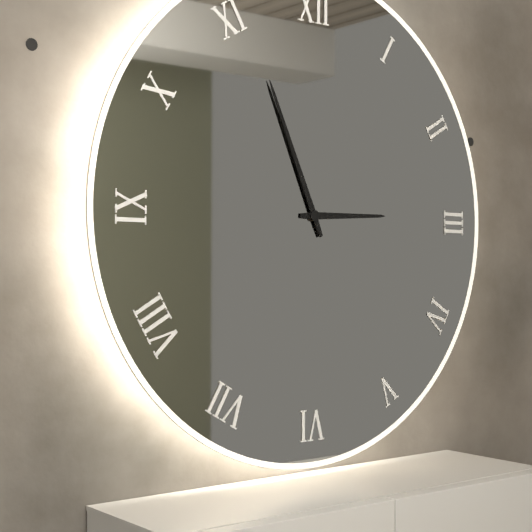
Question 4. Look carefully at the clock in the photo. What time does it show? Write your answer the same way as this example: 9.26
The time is 2.56
